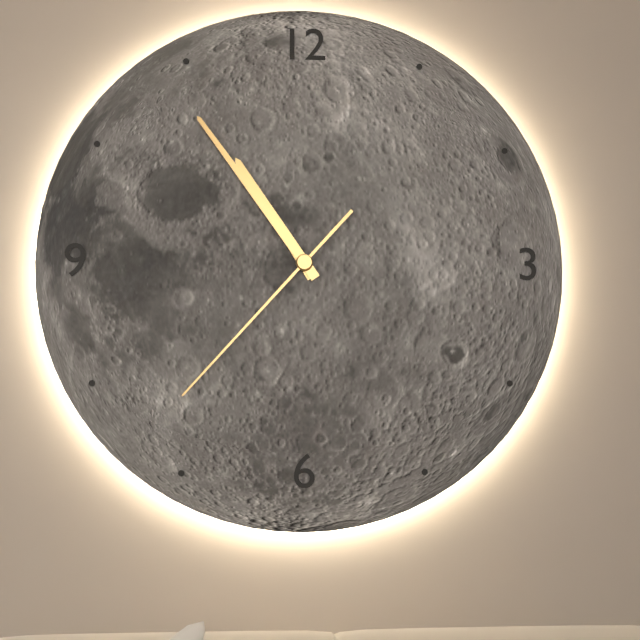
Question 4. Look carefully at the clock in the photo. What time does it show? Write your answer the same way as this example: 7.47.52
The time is 10.54.37
